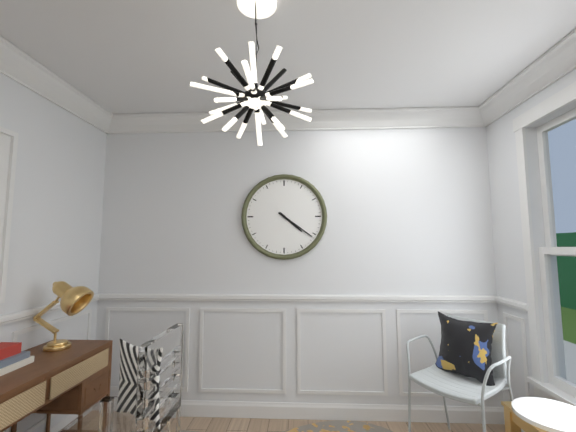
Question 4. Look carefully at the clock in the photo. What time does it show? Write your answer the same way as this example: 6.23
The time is 4.21
